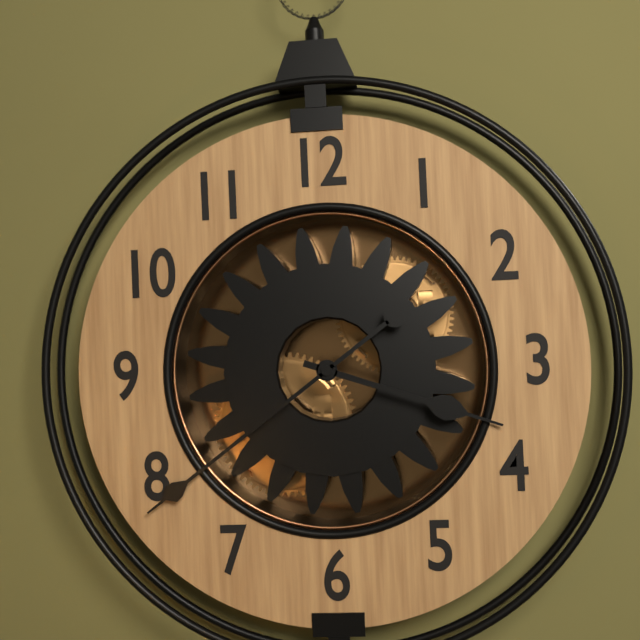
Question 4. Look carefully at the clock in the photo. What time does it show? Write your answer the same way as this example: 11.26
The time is 3.39
